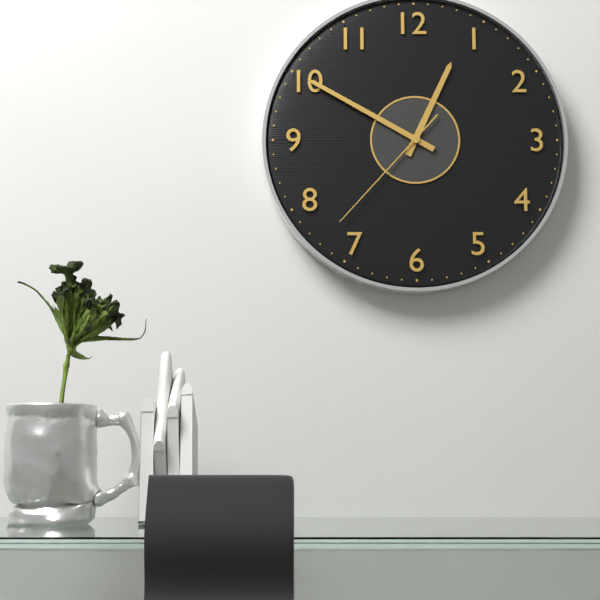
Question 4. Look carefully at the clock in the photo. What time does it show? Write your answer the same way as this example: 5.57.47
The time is 12.50.37
